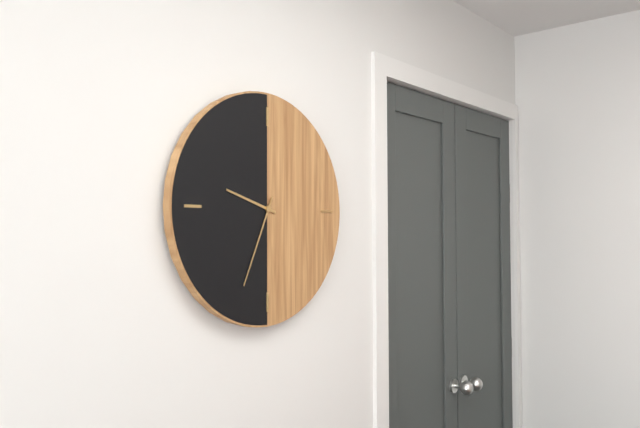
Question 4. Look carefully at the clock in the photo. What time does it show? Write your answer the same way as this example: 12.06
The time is 9.34
